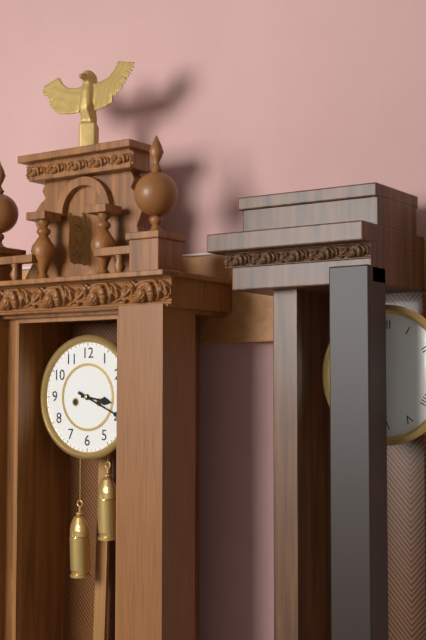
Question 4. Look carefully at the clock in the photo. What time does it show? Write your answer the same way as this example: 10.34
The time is 3.19
